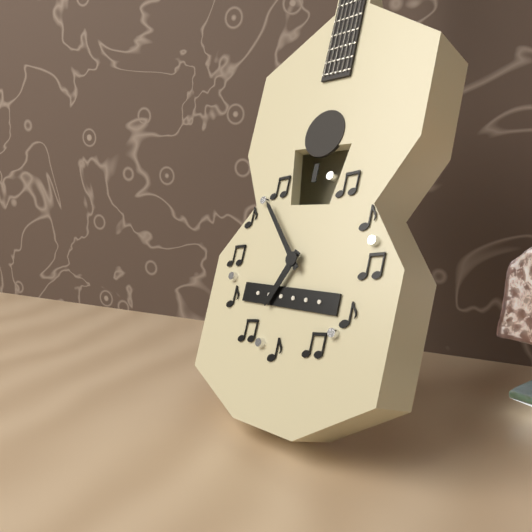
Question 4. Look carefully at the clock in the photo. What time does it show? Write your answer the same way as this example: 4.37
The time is 6.53
